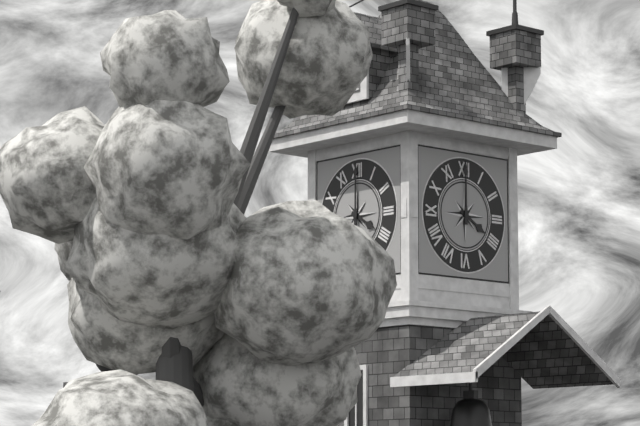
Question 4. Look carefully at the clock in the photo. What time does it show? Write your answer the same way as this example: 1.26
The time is 4.00
